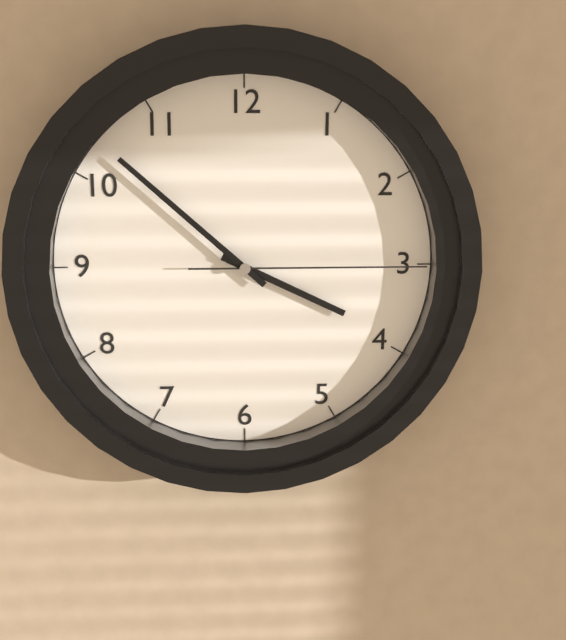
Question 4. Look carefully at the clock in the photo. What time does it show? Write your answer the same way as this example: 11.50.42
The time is 3.52.15
